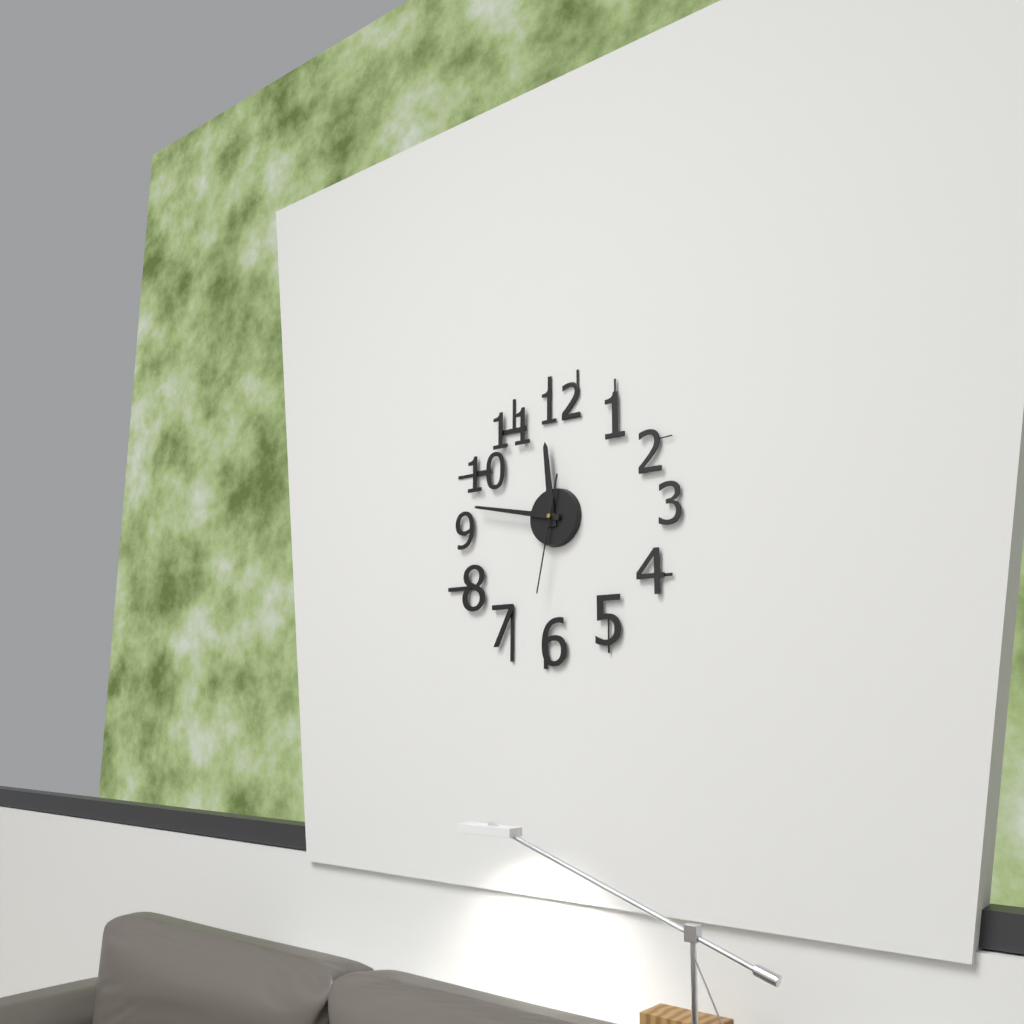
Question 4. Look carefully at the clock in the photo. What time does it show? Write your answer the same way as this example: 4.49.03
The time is 11.47.32
